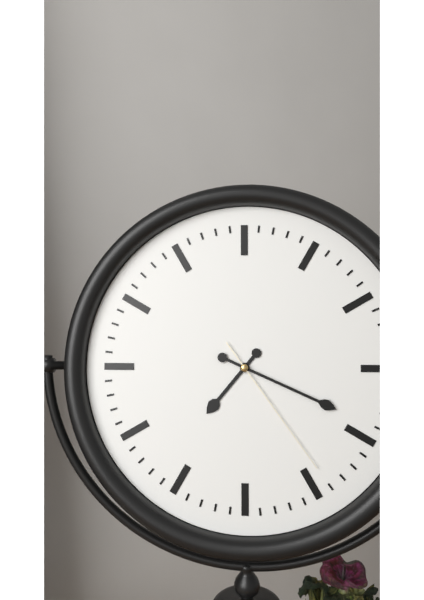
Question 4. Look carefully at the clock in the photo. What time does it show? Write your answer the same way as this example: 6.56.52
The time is 7.19.24
